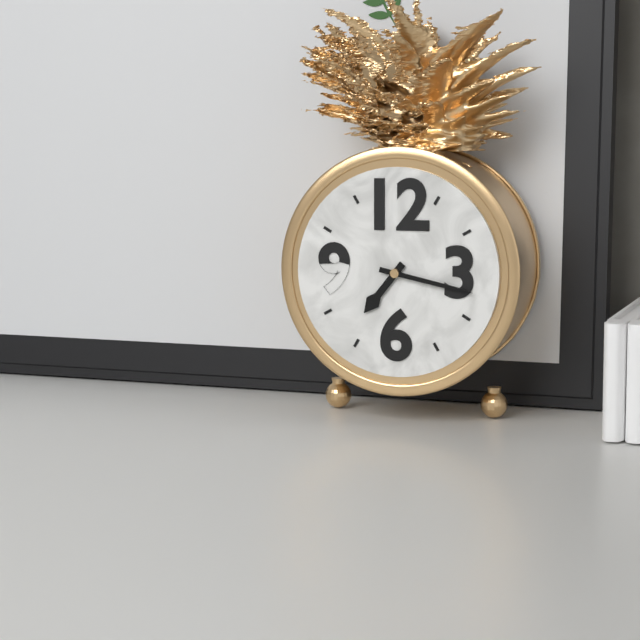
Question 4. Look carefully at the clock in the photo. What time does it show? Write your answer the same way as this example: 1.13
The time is 7.17
